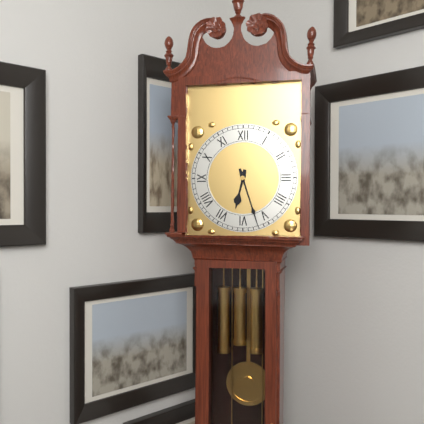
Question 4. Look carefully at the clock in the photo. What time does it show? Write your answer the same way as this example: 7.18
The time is 6.27
